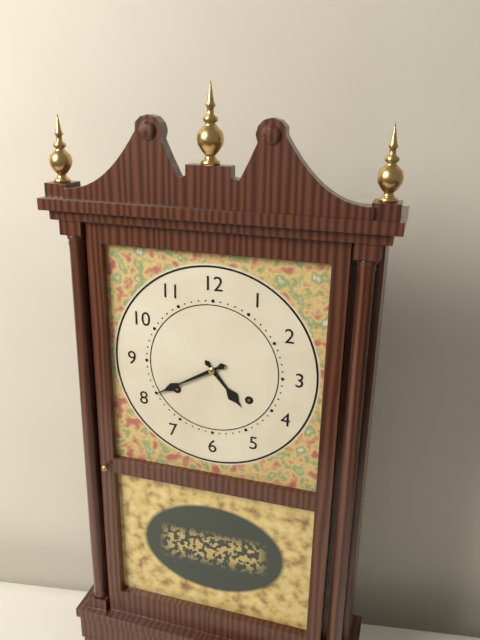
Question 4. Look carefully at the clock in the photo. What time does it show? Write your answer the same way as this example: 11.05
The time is 4.40
